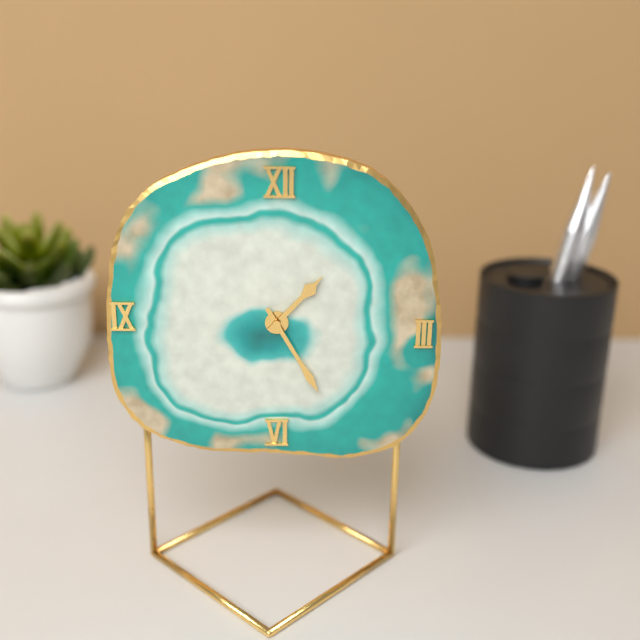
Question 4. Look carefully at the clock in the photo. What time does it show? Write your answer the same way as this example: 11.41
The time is 1.25
